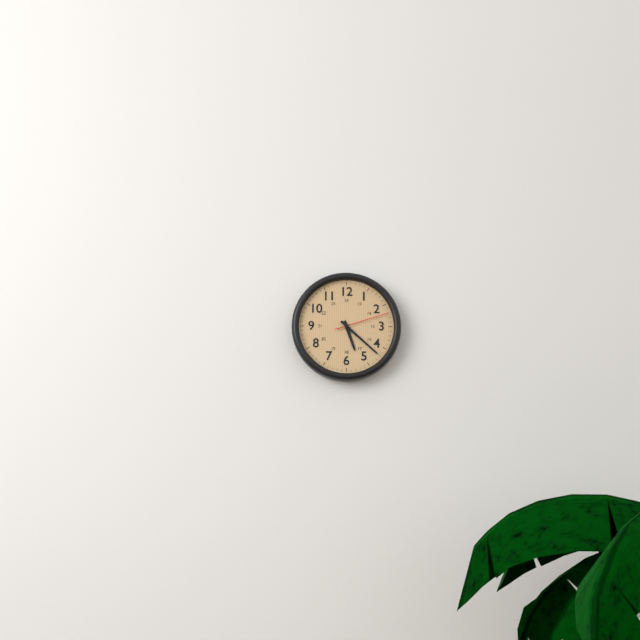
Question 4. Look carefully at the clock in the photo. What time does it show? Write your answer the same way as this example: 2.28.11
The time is 5.22.12
